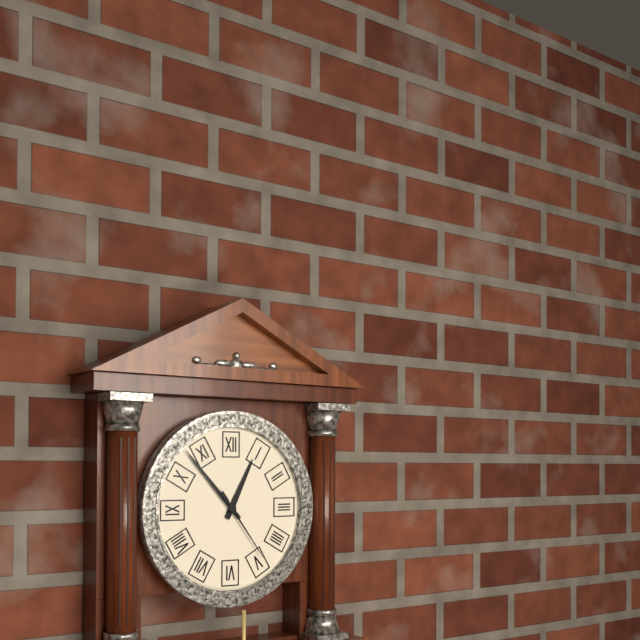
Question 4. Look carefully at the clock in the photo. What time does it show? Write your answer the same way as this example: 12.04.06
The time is 12.53.24
